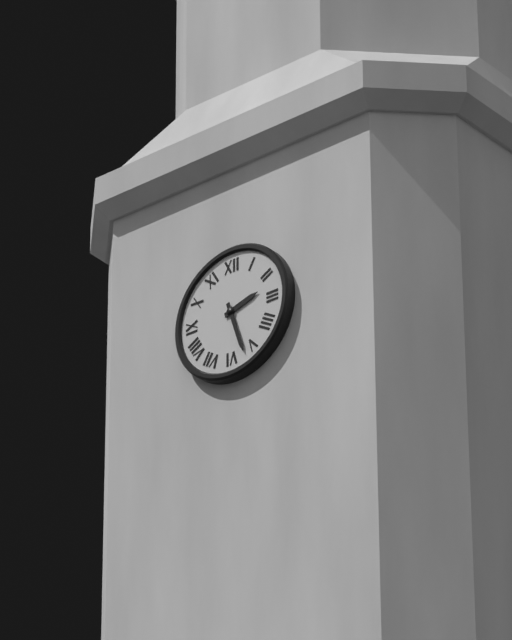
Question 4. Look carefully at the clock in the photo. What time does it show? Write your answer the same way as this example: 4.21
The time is 2.27
